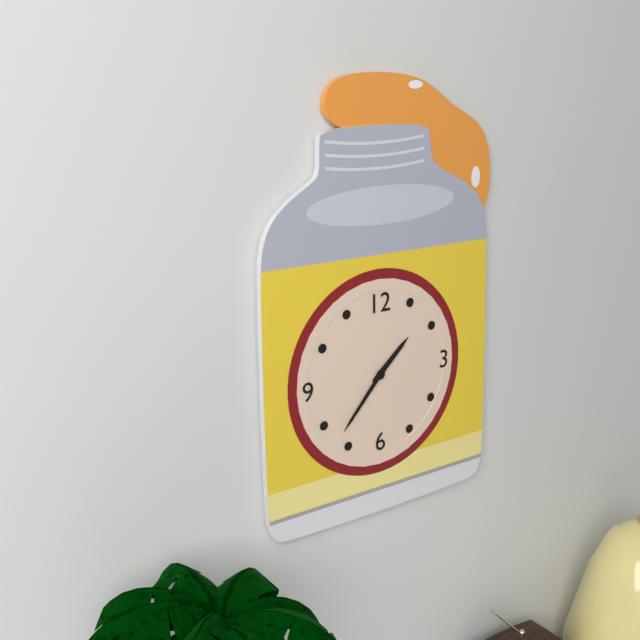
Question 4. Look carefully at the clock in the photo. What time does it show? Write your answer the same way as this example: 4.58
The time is 1.37
